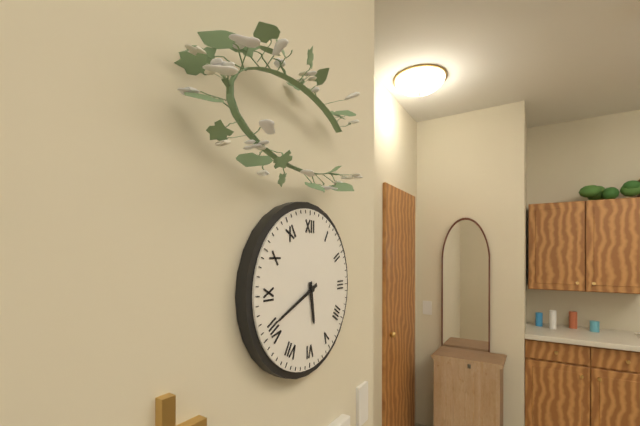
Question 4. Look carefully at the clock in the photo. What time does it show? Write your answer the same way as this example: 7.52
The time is 5.41
